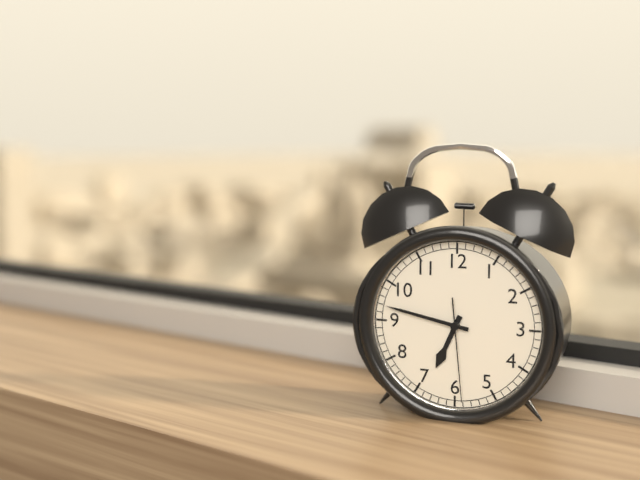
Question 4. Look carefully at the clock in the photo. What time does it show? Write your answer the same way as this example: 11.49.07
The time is 6.47.29
